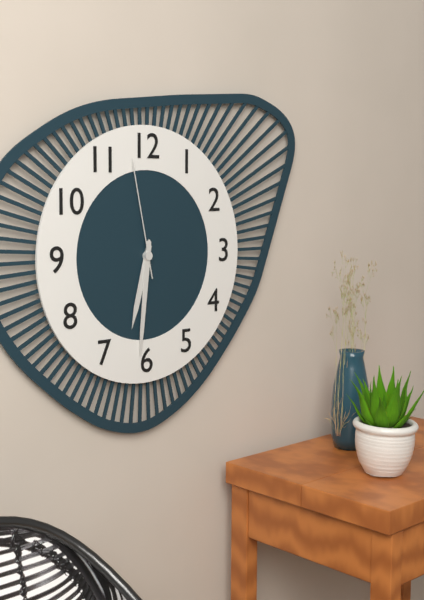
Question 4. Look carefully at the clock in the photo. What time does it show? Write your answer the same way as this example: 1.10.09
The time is 6.31.58
